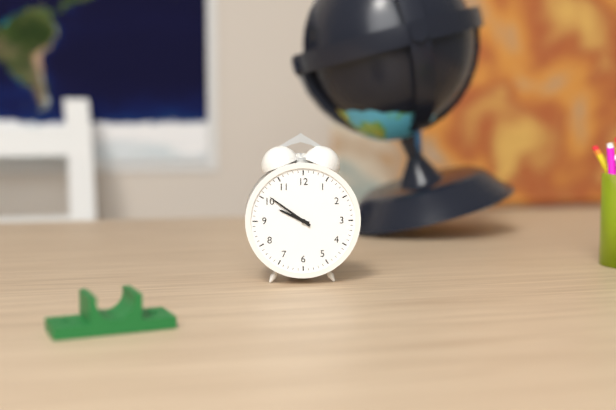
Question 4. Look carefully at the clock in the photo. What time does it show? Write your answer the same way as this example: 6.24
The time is 9.51
